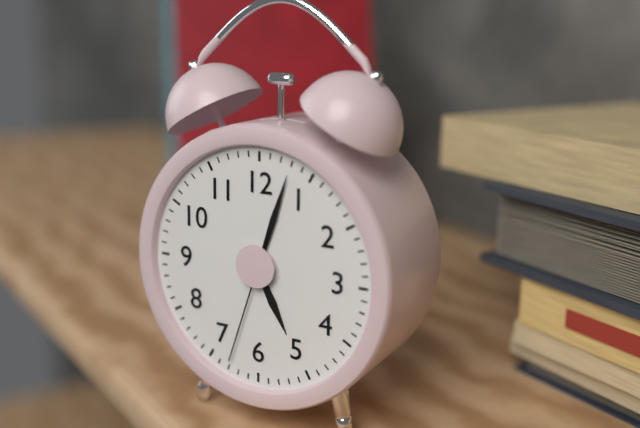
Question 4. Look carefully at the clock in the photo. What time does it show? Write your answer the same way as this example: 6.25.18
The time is 5.03.33
